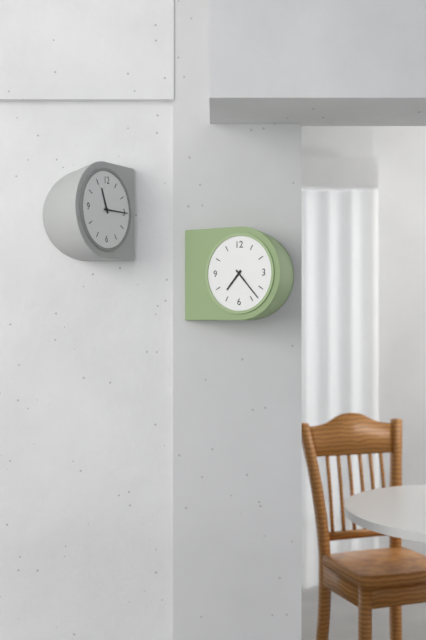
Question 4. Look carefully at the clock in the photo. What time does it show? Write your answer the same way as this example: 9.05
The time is 7.23
